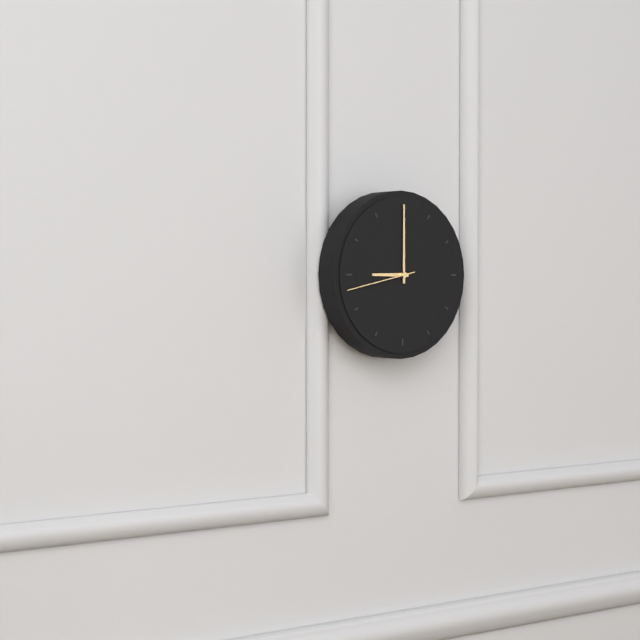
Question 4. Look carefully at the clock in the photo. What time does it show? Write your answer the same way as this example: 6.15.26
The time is 9.00.43
